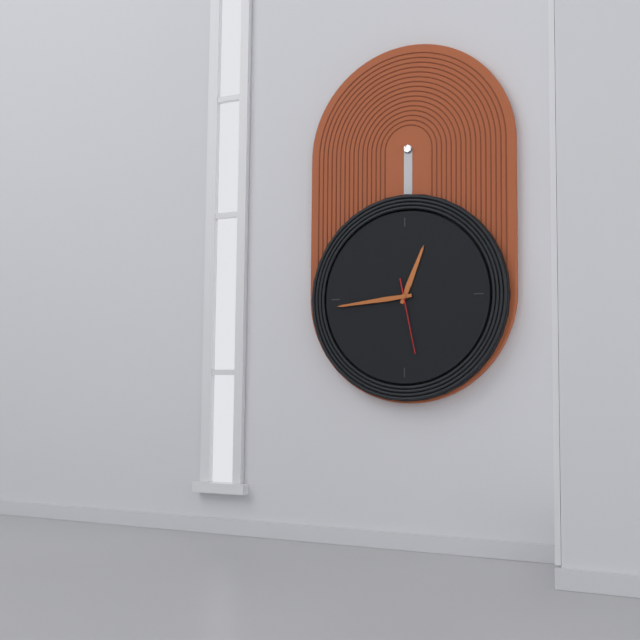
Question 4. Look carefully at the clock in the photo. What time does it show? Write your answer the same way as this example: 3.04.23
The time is 12.44.28
